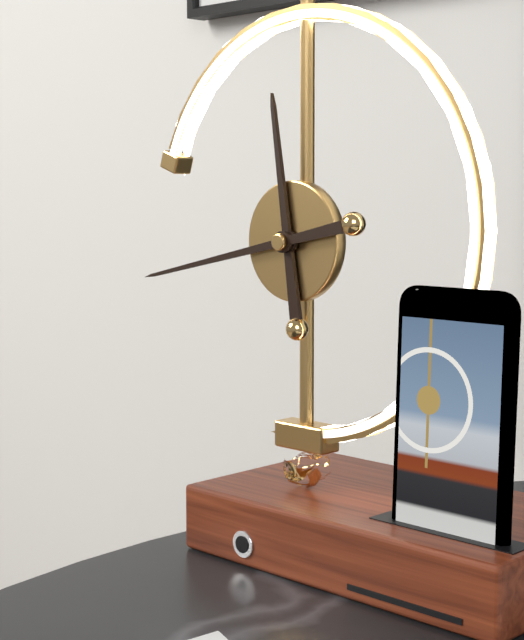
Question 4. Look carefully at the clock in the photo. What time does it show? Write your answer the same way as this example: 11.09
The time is 11.43
